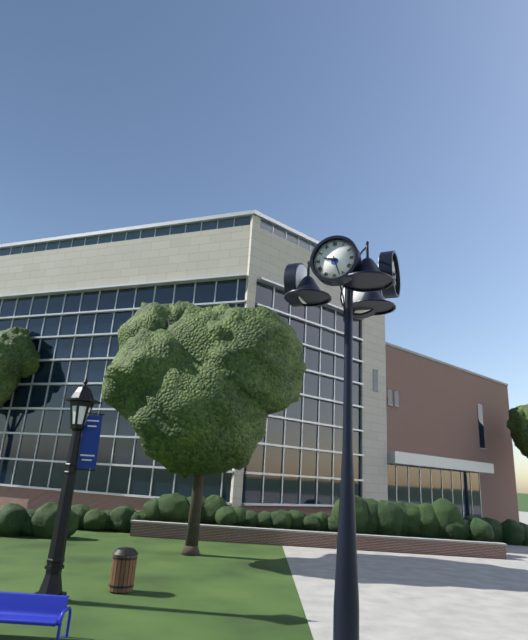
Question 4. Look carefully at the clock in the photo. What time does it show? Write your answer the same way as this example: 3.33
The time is 9.27
